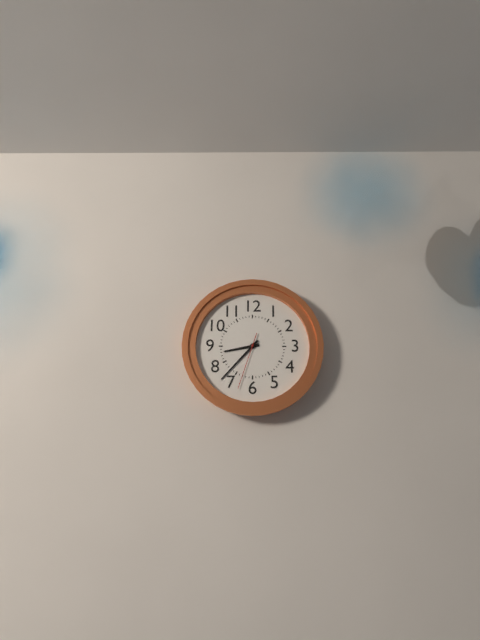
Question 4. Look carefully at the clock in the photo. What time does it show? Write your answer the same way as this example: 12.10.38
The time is 8.37.33
